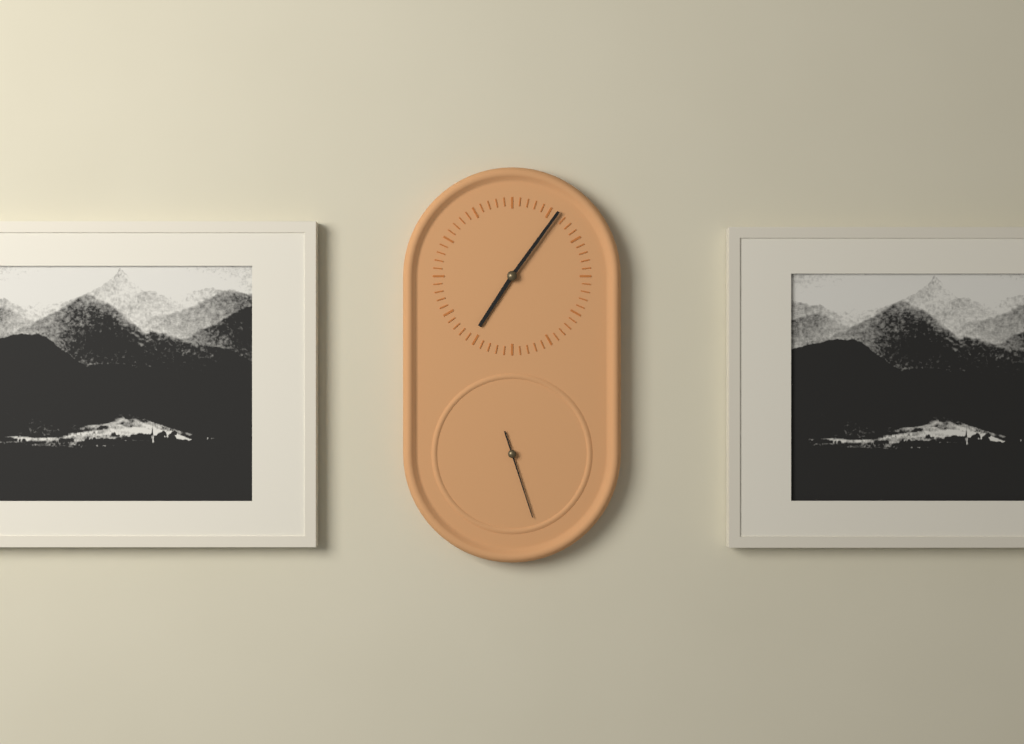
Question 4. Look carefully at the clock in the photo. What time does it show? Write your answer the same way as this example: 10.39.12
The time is 7.06.27
